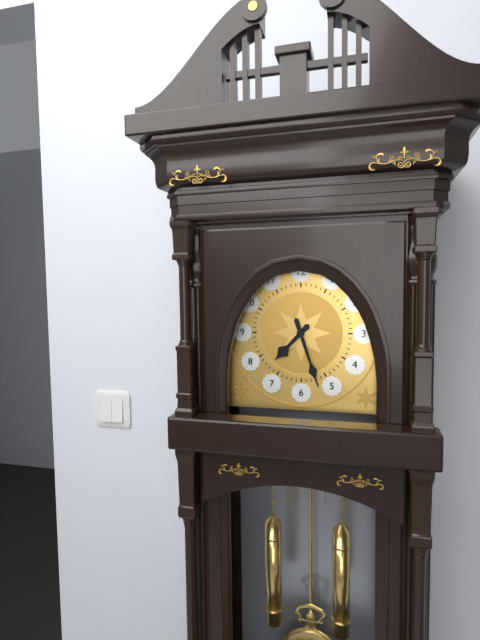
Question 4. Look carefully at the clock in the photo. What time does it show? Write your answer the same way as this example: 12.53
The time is 7.27
